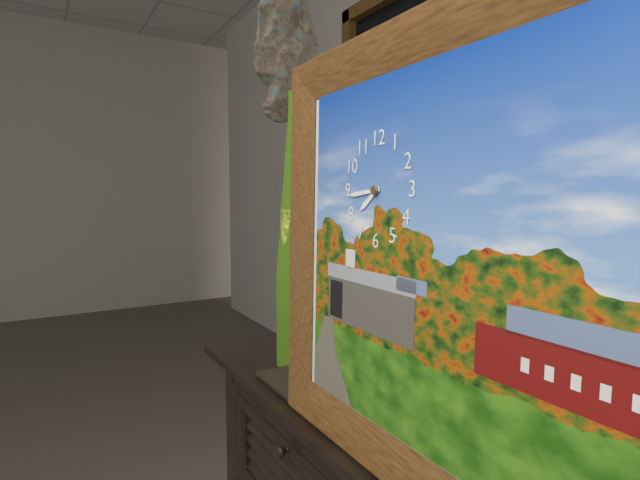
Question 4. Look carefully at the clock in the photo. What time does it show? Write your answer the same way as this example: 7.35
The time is 7.44
